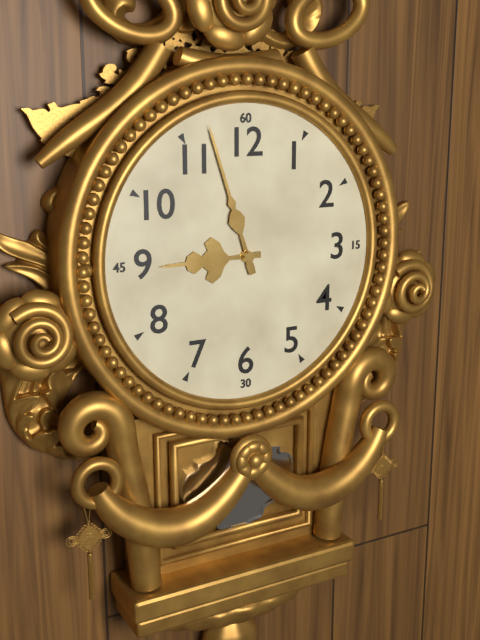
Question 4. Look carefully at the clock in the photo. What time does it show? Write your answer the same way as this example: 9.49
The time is 8.57
